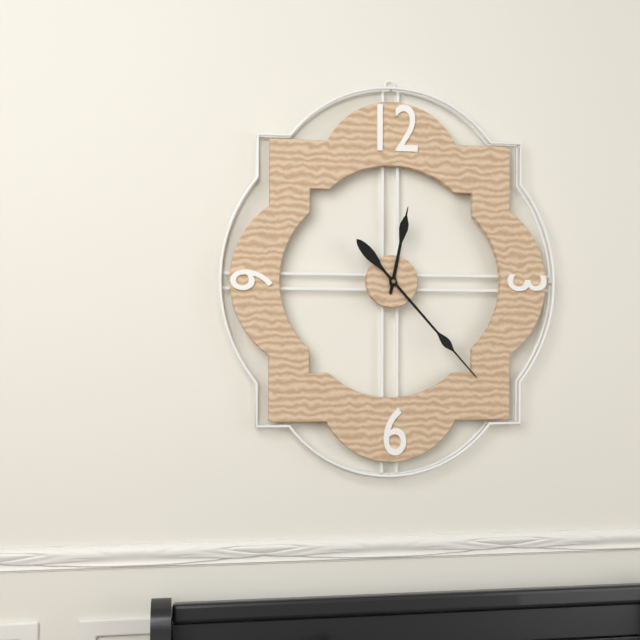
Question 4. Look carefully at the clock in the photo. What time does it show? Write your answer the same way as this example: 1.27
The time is 12.23
